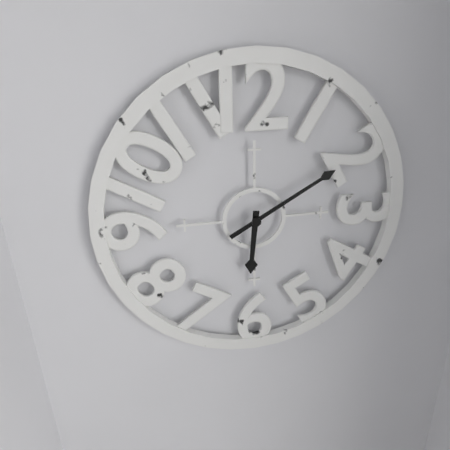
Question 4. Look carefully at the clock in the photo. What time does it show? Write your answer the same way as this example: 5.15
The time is 6.10
